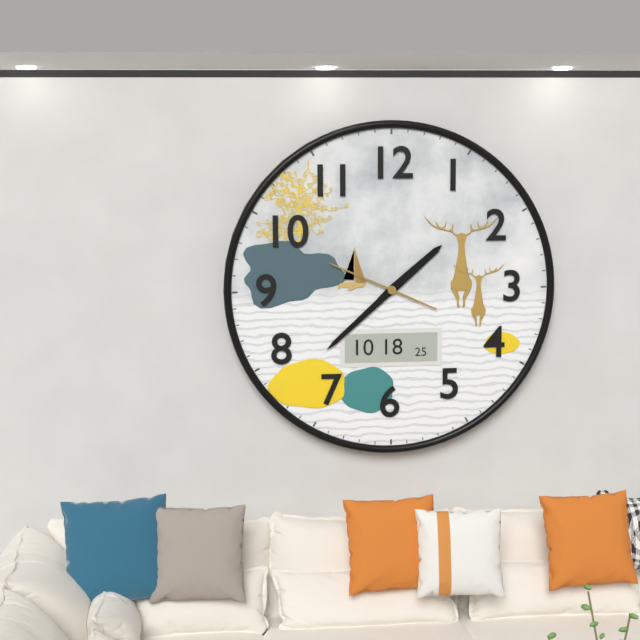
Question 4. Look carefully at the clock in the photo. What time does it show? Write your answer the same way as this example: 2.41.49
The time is 1.38.49
